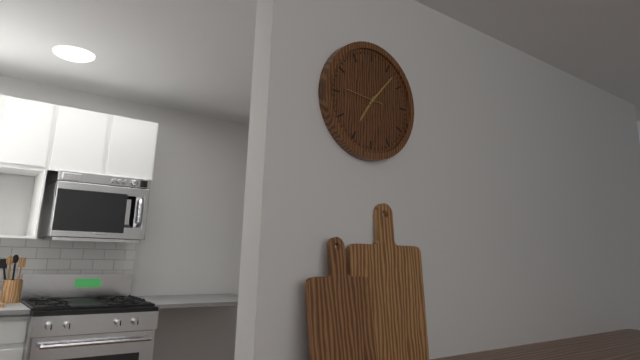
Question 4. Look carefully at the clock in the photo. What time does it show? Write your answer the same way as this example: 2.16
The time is 7.07
